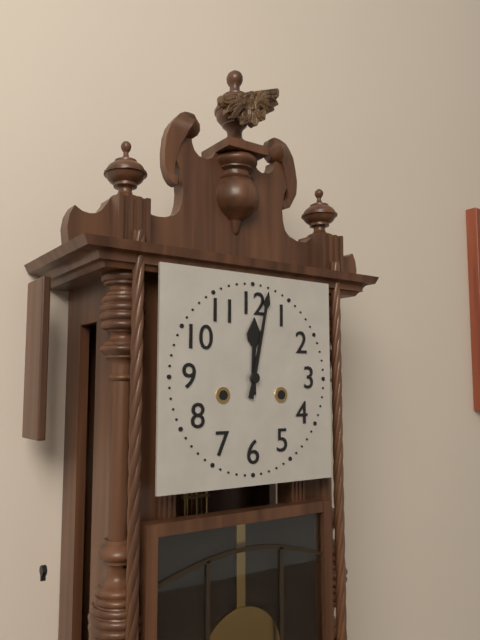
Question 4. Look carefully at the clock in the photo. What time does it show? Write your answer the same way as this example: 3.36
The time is 12.02
